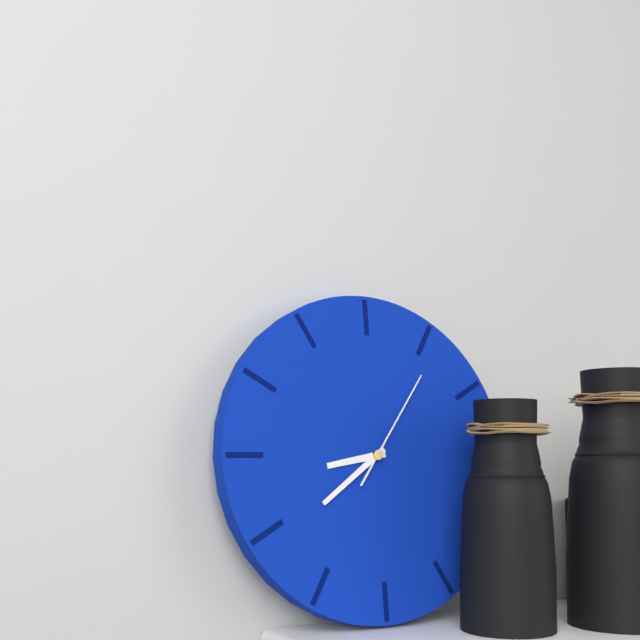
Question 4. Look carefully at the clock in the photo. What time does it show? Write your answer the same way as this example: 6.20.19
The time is 8.39.06
